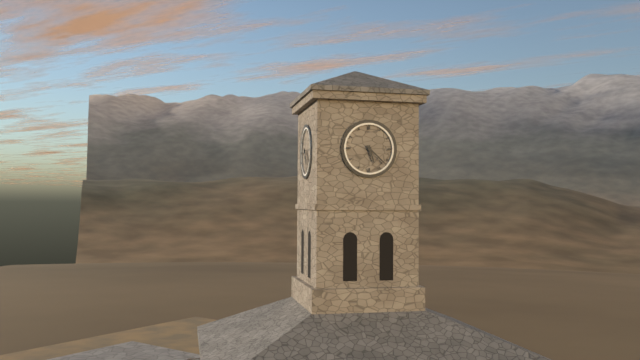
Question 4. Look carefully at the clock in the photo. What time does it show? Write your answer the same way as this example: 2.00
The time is 5.22
